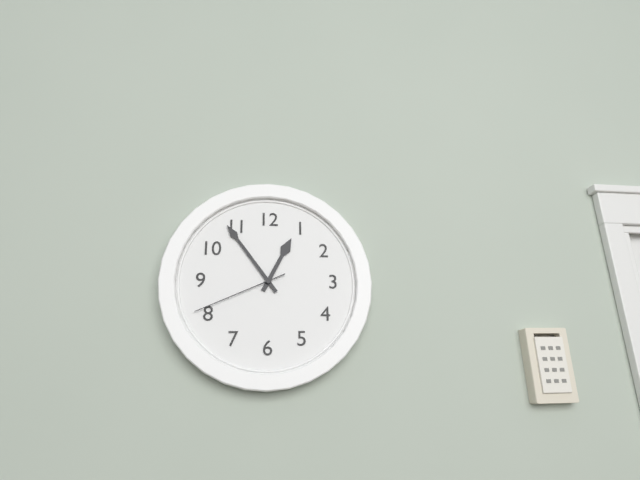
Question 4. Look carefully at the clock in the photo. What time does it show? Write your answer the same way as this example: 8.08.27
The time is 12.54.41
